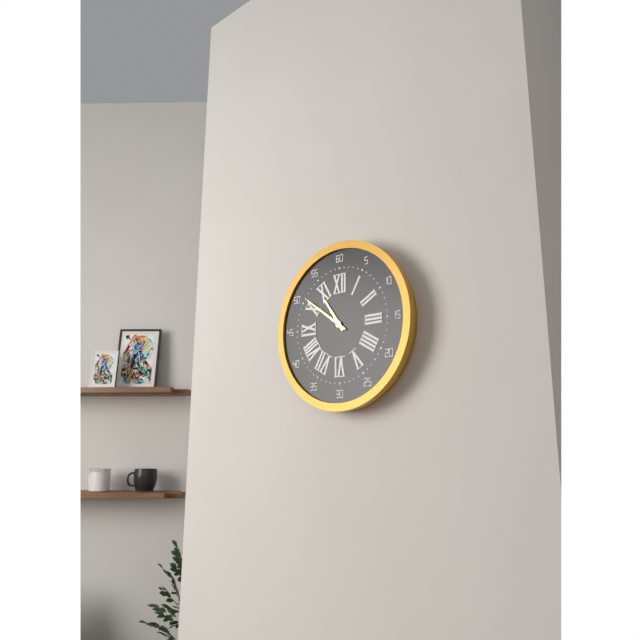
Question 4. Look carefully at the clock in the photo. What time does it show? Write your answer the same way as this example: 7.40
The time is 10.51
